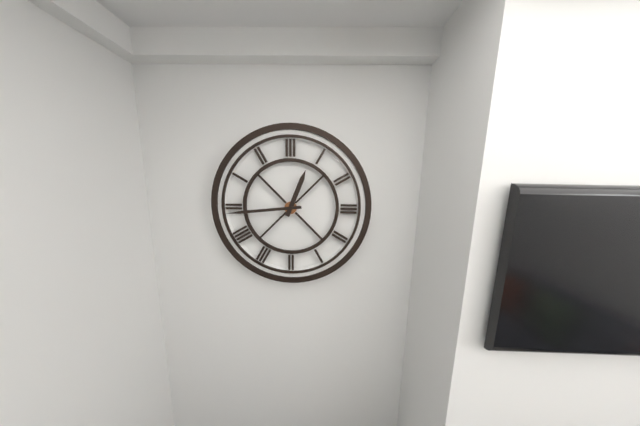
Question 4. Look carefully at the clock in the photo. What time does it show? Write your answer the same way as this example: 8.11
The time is 12.44
